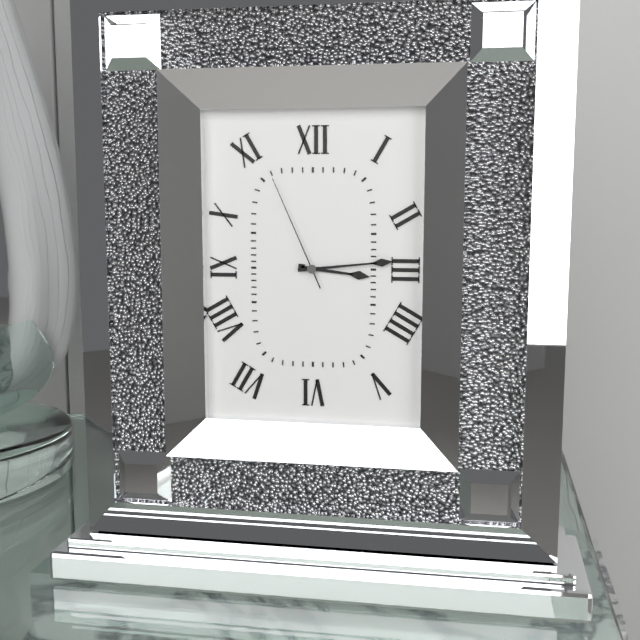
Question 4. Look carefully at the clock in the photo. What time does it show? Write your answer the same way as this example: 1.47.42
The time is 3.14.56
